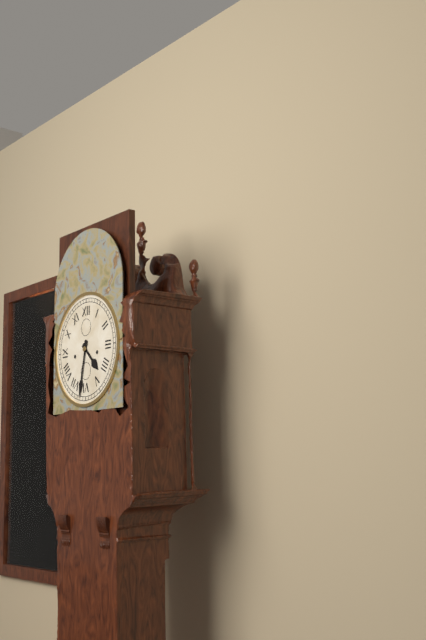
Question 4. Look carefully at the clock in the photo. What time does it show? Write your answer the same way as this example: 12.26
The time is 4.32
